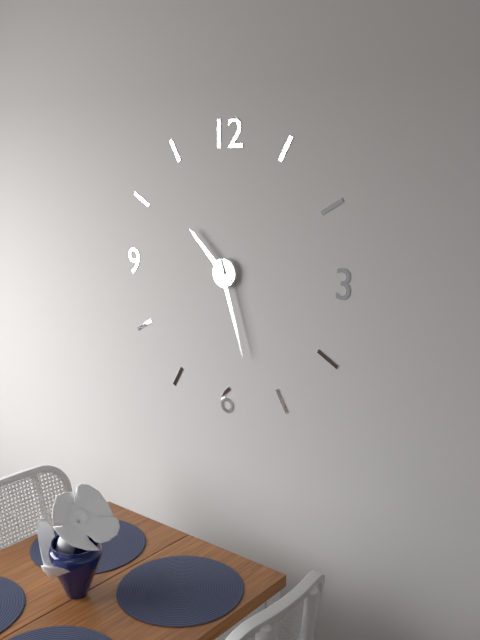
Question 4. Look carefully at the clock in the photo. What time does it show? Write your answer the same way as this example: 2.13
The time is 10.27
